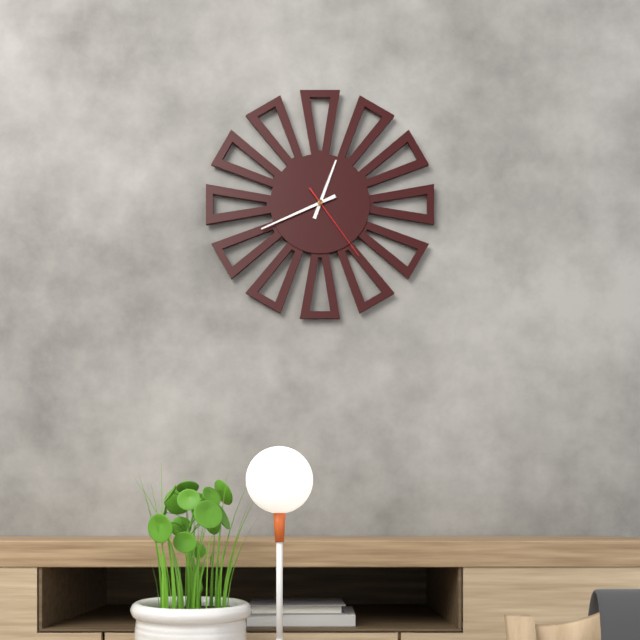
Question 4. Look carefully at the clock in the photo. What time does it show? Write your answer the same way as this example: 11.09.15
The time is 12.41.24
